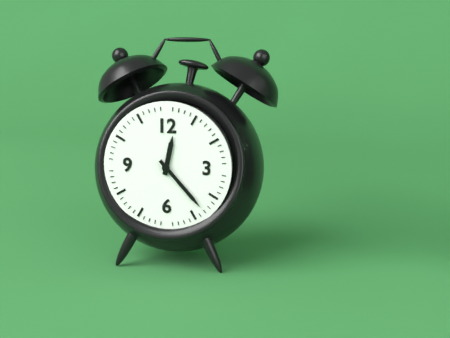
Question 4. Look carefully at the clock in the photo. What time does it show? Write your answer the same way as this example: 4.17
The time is 12.23
